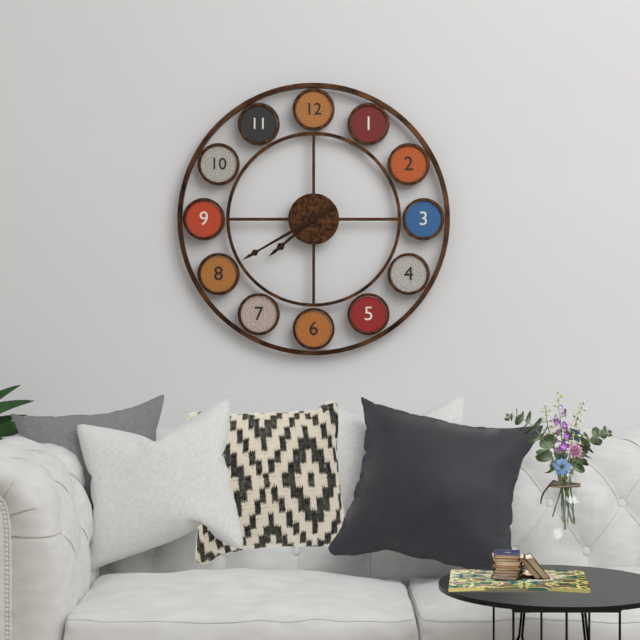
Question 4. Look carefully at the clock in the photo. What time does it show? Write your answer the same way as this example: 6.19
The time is 7.40
